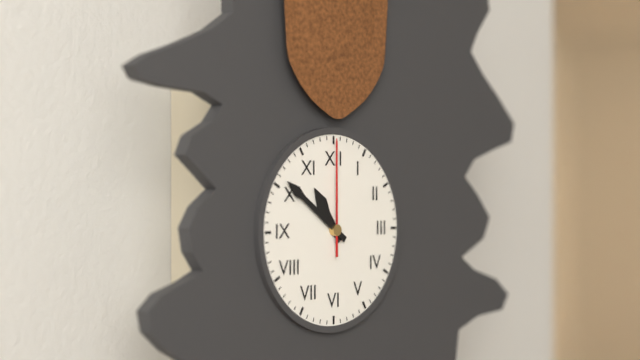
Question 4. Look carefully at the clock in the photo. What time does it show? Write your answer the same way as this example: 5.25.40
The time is 10.51.00
